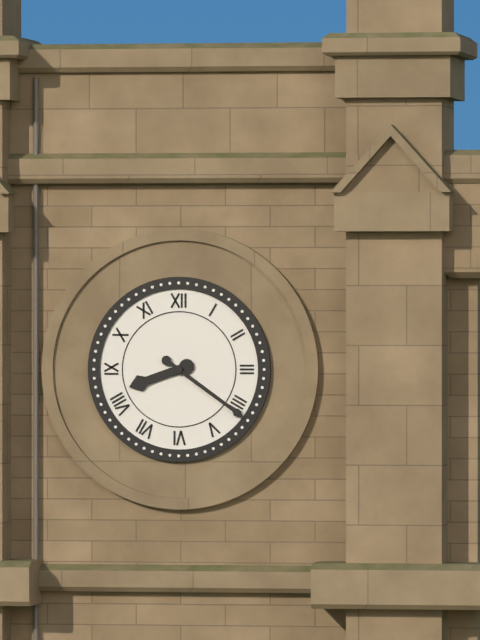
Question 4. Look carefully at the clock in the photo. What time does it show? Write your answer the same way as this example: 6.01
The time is 8.21
